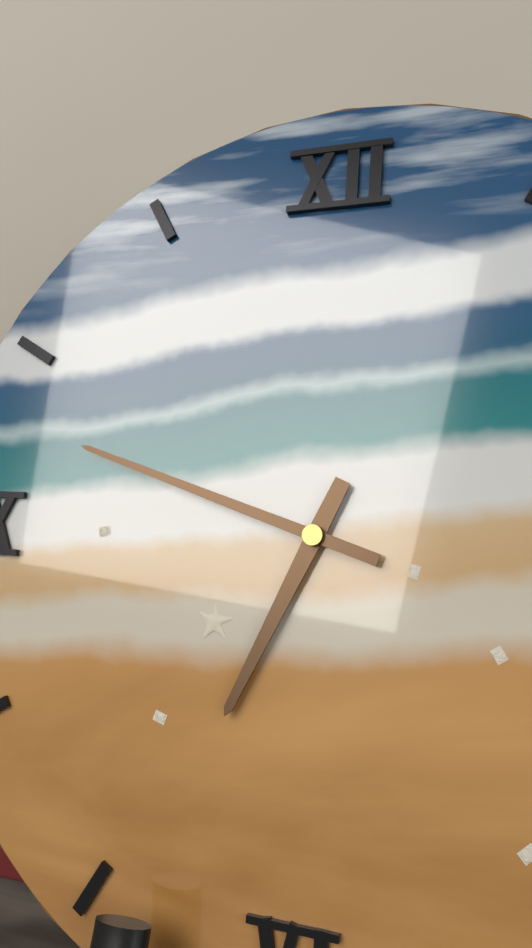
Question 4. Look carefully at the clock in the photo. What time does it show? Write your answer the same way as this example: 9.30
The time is 6.48
